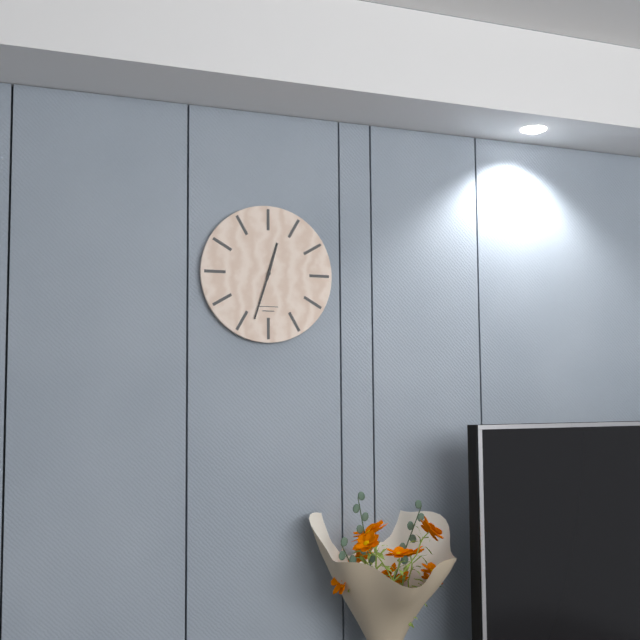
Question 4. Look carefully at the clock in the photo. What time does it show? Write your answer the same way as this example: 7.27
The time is 12.33
